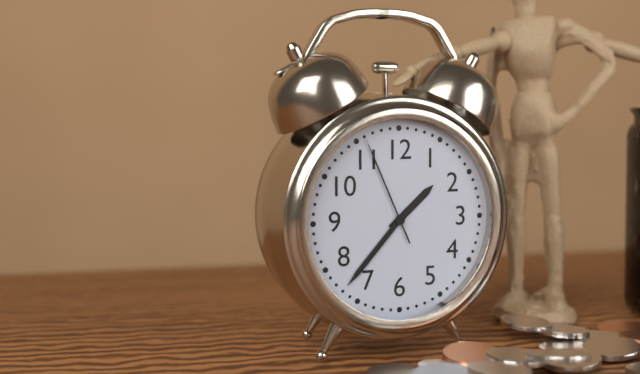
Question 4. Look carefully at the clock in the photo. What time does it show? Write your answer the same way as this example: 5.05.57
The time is 1.37.56
